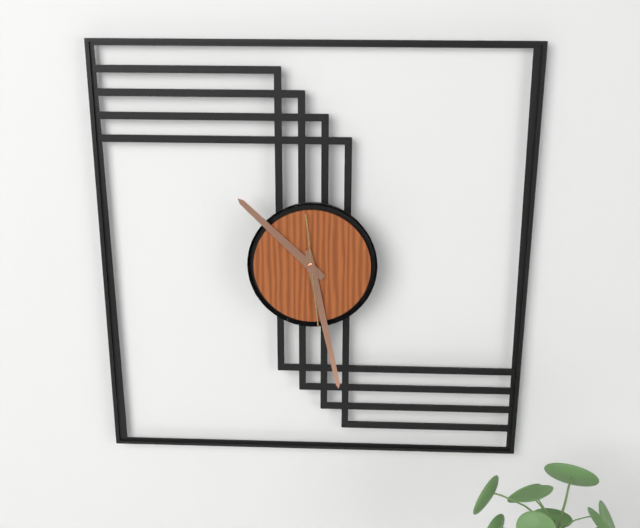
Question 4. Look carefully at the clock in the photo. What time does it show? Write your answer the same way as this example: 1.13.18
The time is 10.28.29
